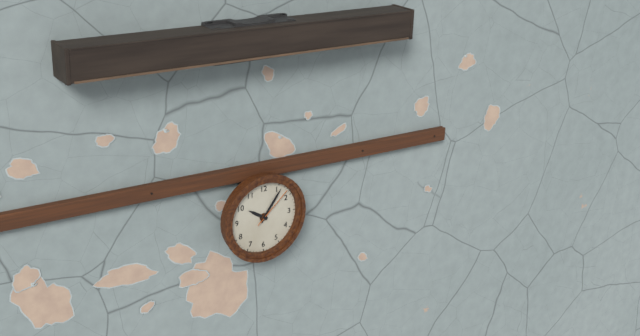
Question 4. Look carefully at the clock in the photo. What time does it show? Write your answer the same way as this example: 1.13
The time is 10.06
